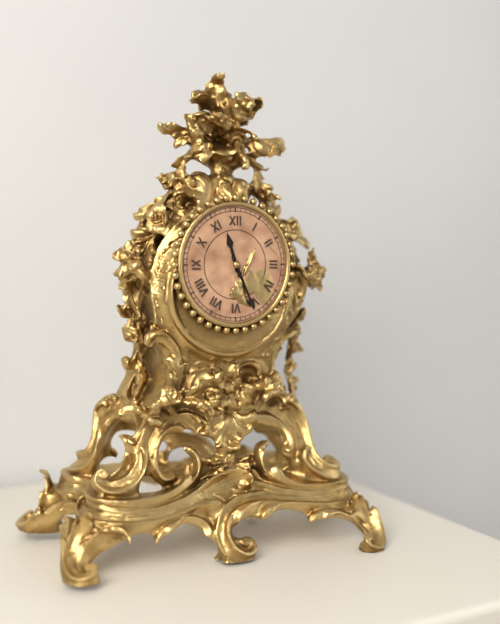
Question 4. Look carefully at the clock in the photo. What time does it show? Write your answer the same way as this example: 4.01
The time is 11.26
